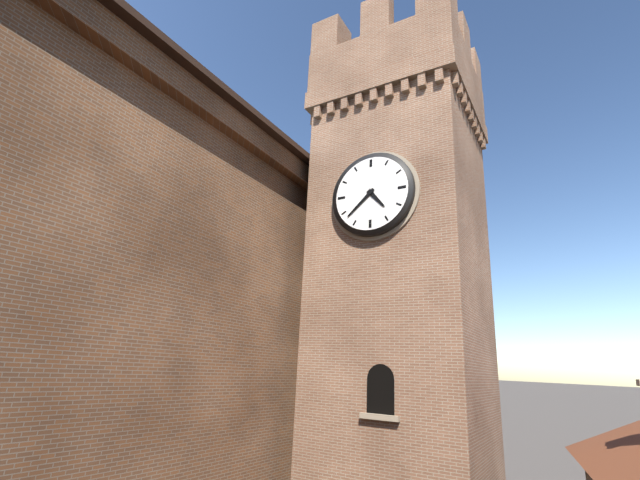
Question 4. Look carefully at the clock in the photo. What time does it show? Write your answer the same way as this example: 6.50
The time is 4.38
